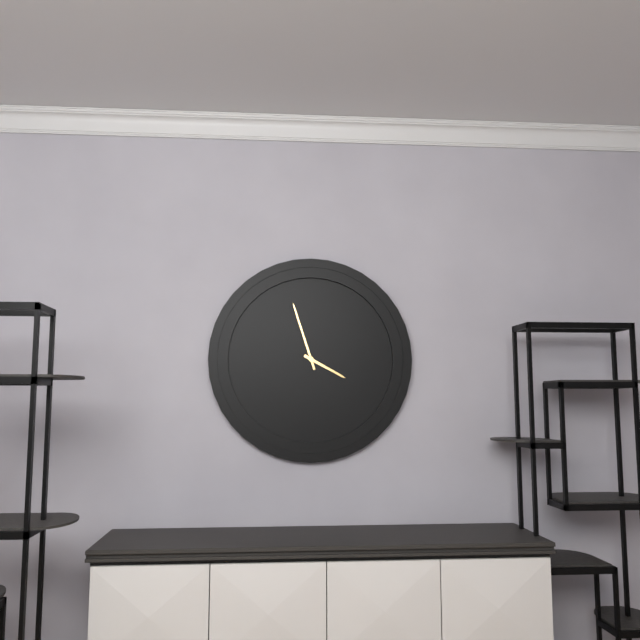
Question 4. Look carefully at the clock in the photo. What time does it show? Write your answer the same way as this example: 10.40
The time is 3.57
